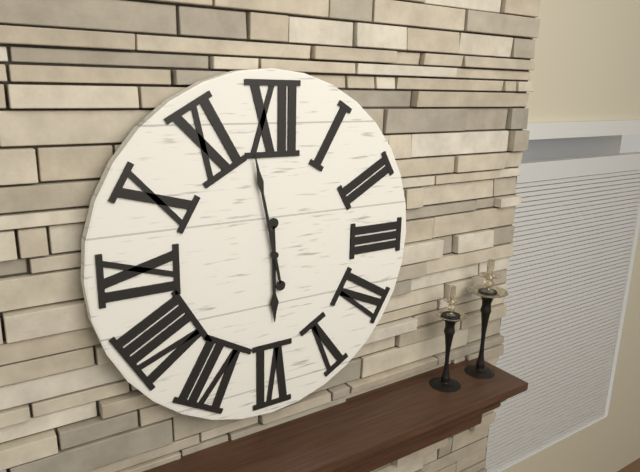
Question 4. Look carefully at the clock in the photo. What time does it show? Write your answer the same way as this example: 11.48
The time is 5.58
